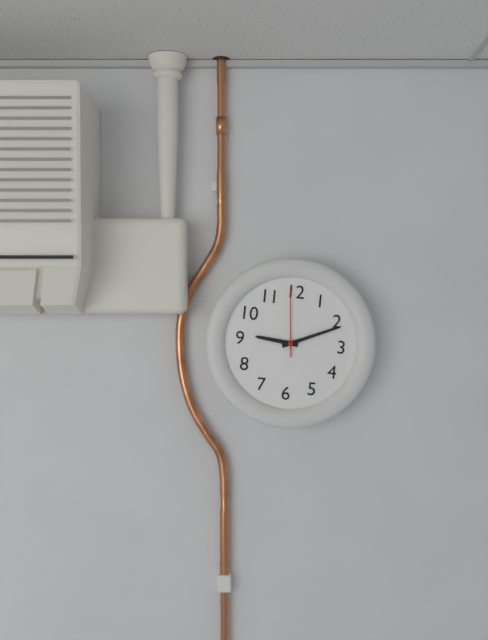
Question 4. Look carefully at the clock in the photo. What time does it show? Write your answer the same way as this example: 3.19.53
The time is 9.11.59
